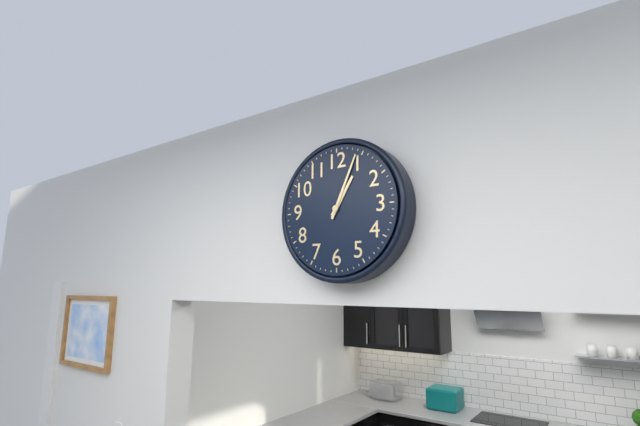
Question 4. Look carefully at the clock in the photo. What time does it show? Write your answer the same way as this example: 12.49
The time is 1.04
